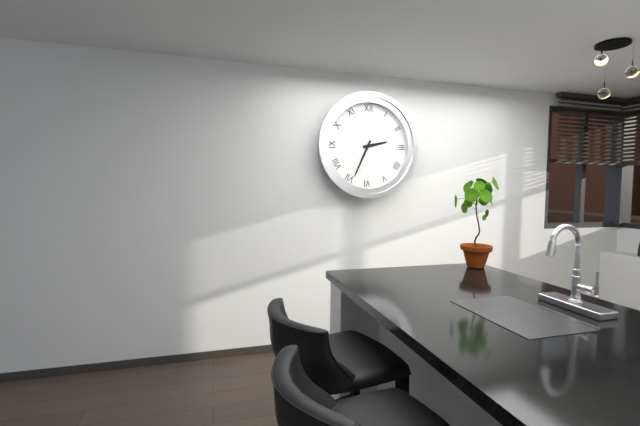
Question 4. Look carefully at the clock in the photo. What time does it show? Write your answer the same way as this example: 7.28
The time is 2.34
